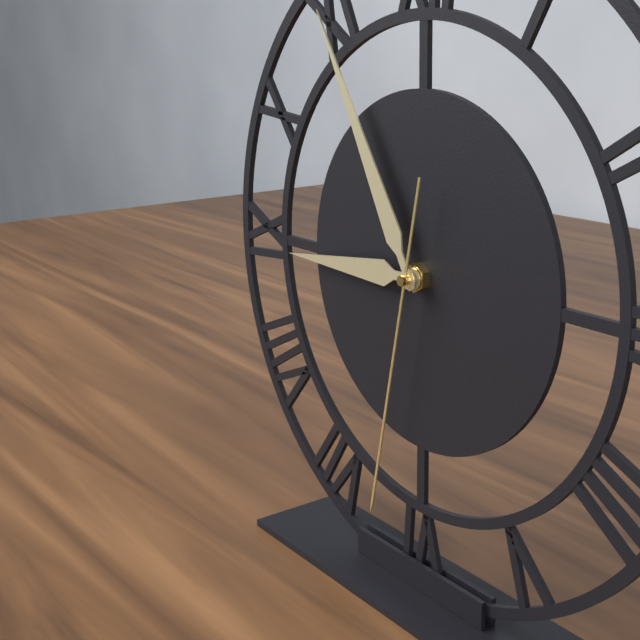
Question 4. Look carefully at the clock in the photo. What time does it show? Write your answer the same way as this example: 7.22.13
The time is 8.55.32
